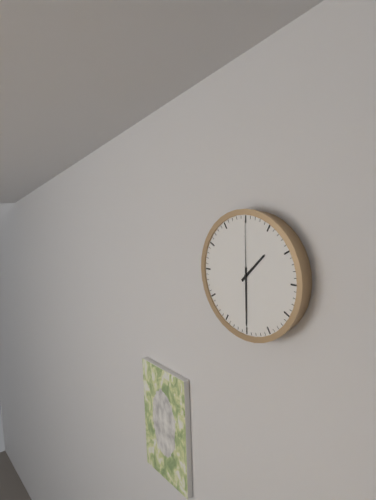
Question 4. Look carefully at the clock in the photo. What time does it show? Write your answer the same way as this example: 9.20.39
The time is 1.30.00
